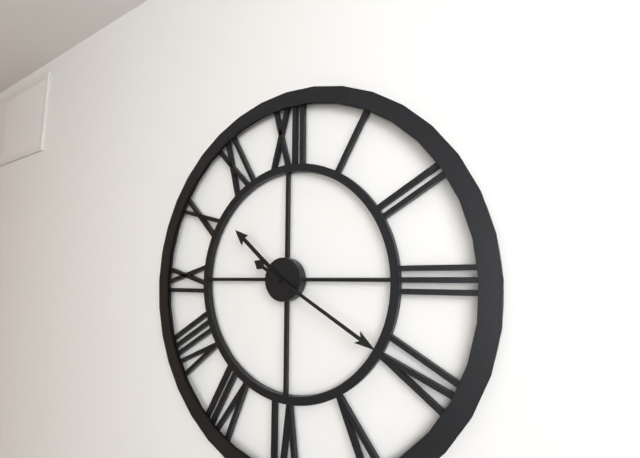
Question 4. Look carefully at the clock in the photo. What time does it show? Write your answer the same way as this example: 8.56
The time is 10.20
